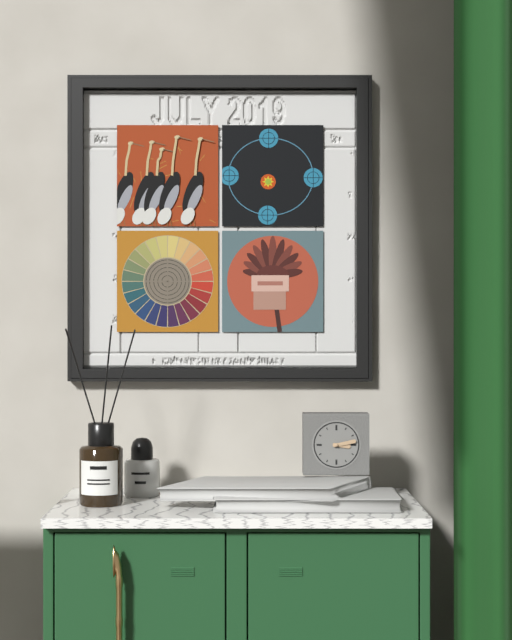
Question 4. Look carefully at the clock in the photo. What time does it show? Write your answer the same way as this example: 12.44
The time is 3.13
